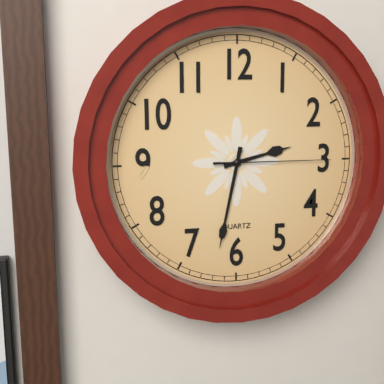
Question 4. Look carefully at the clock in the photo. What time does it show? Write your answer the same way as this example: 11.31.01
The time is 2.32.15
